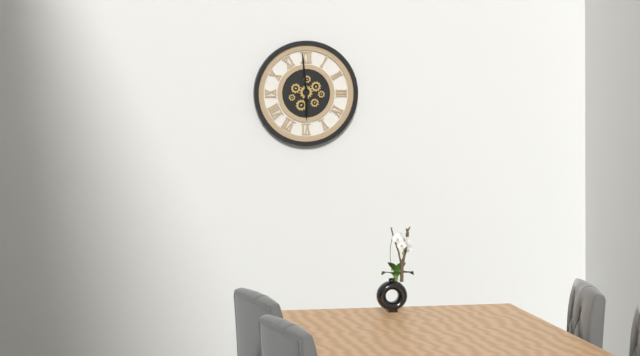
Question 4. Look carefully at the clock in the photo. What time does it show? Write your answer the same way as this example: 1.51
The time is 5.59
